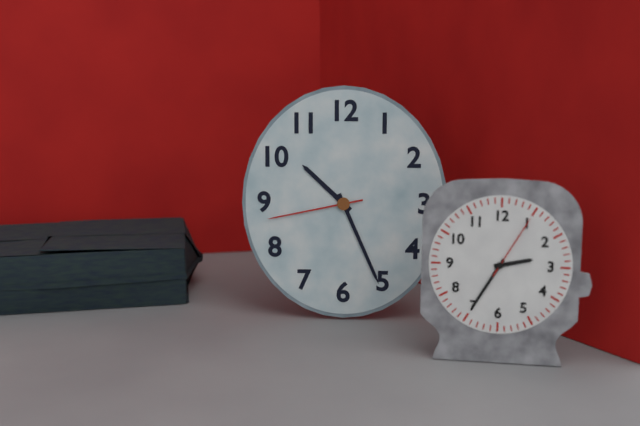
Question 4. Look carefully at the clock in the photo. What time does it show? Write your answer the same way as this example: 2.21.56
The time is 10.26.43
